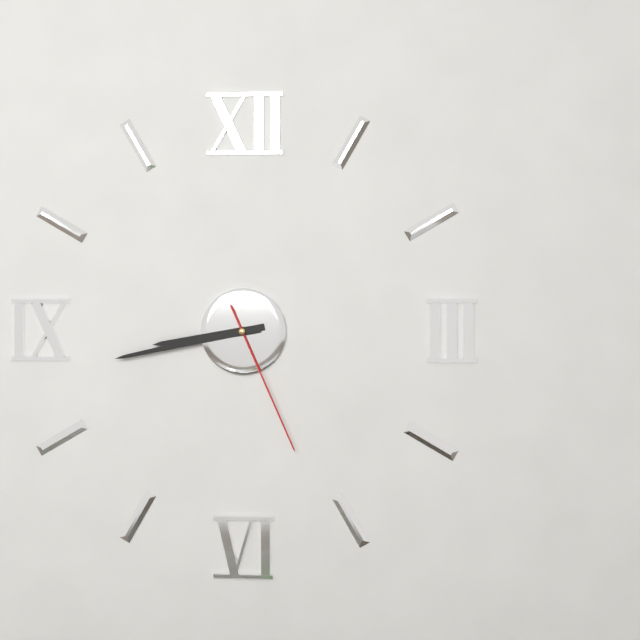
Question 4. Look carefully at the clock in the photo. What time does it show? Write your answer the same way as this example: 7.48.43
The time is 8.43.26
